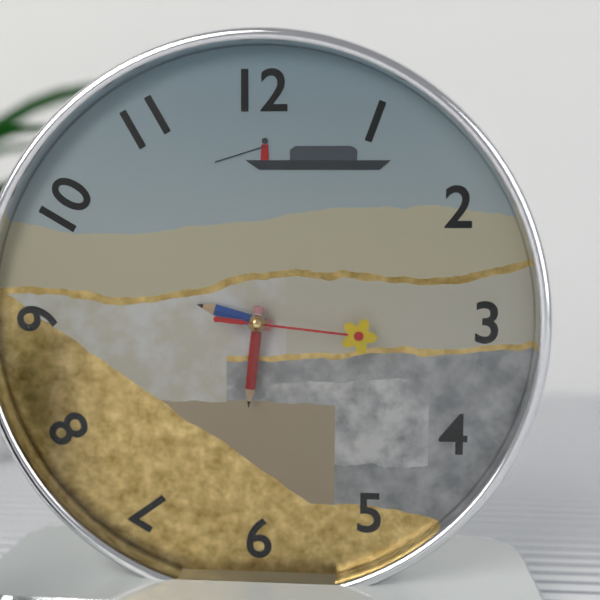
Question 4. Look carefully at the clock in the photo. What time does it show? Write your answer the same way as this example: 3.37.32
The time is 9.31.16
